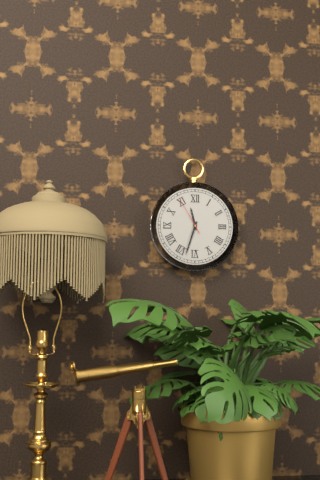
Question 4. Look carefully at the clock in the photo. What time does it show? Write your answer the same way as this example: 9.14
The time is 11.33
